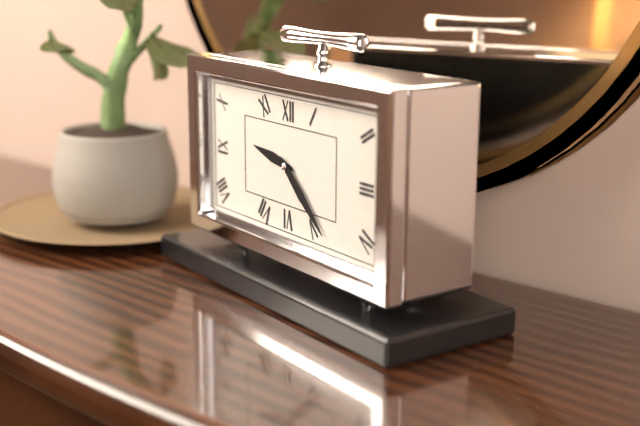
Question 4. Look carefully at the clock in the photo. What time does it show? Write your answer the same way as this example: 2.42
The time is 9.22
